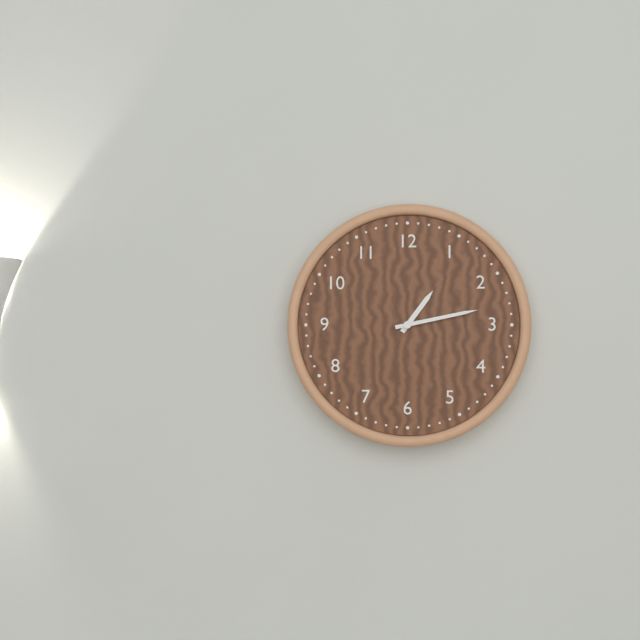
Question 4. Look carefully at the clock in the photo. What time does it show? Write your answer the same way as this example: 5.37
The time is 1.13
